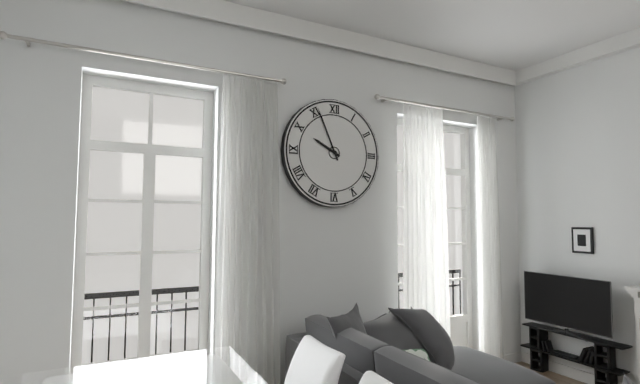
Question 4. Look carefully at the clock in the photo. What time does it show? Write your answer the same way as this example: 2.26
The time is 9.56
